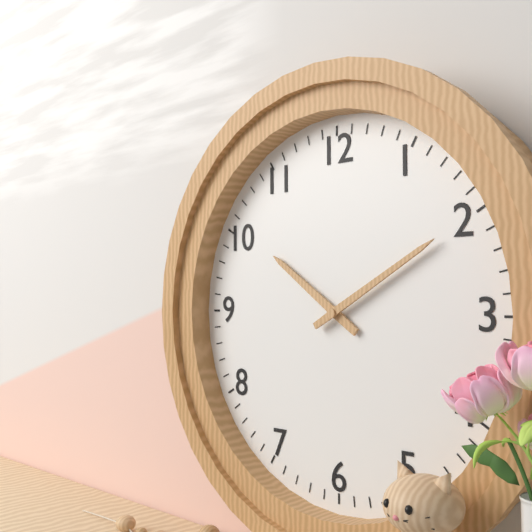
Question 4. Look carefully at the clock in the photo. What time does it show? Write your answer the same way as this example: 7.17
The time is 10.10
